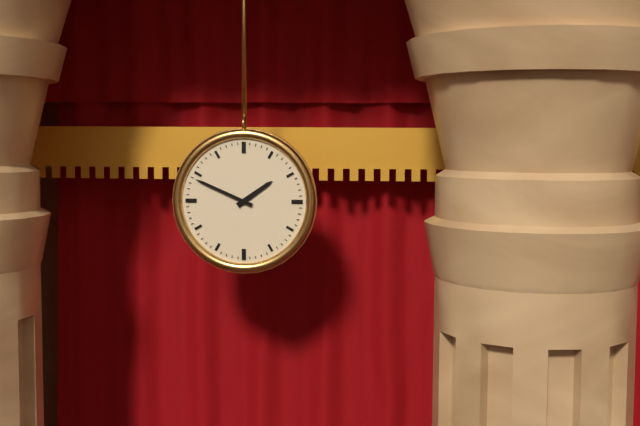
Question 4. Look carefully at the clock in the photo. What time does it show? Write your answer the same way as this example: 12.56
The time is 1.49
